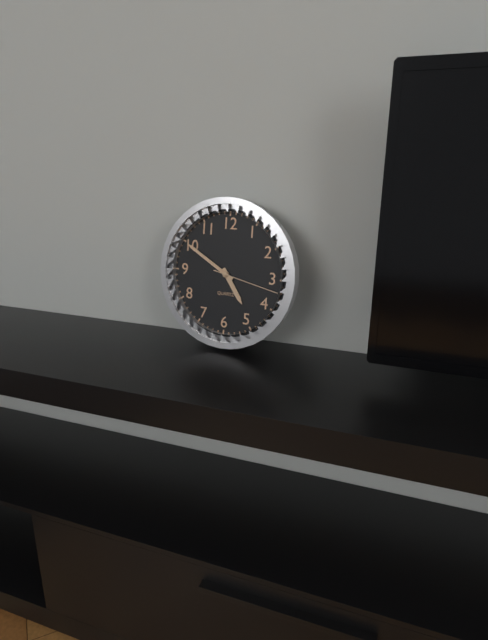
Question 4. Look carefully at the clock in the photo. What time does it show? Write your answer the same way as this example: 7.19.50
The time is 4.50.17
